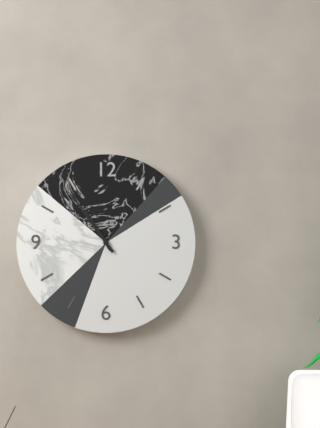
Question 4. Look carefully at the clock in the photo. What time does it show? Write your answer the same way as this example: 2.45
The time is 10.54
